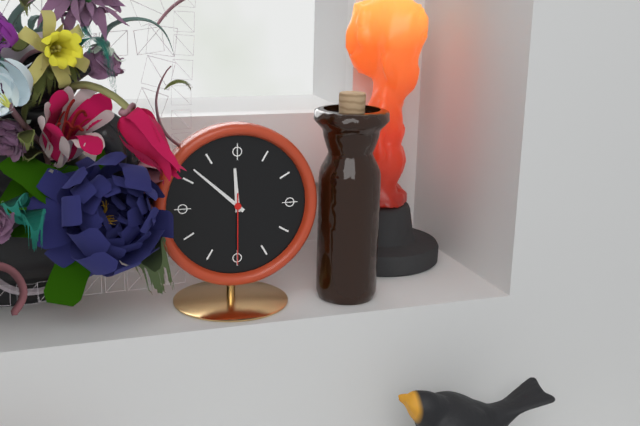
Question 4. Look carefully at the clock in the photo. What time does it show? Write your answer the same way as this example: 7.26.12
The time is 11.52.30
